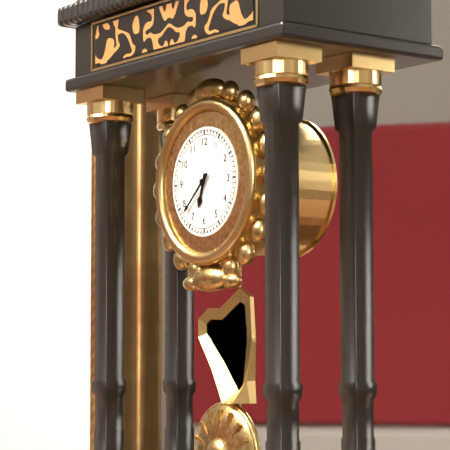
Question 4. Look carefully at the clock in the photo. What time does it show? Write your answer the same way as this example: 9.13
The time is 6.38
